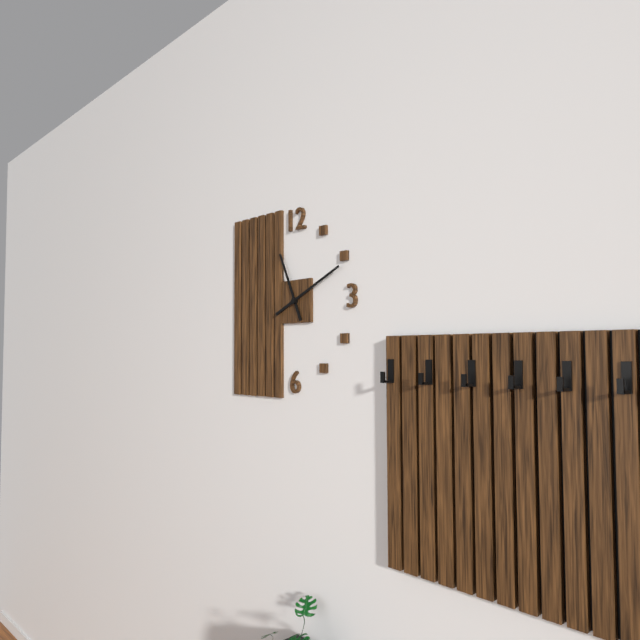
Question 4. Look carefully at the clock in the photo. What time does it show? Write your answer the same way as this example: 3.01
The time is 11.11
